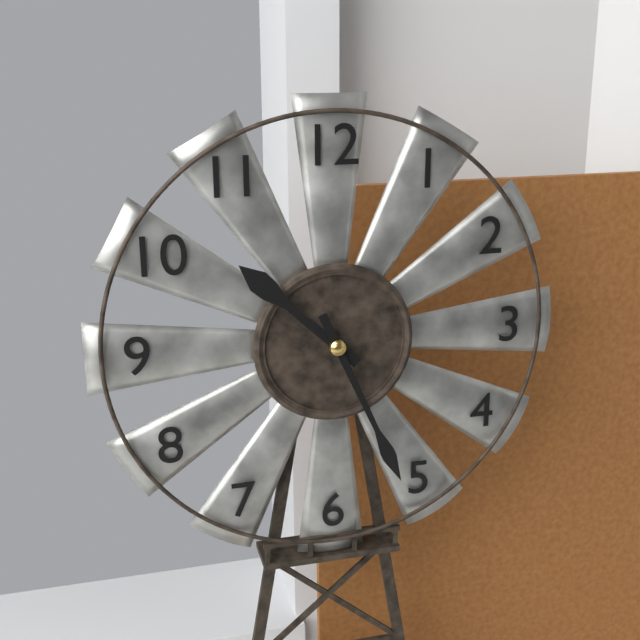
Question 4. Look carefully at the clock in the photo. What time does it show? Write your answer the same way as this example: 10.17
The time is 10.26
